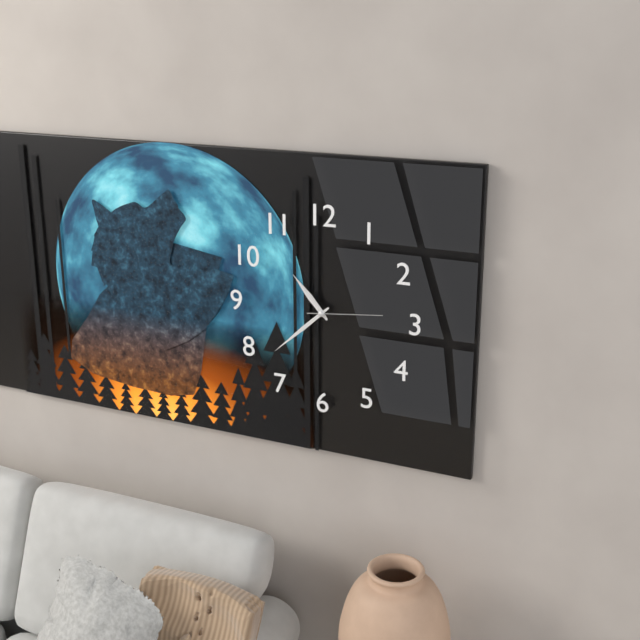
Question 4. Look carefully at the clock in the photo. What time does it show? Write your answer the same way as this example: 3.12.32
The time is 10.38.14
